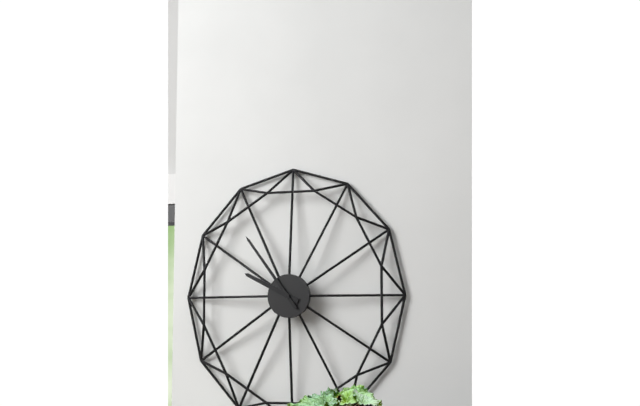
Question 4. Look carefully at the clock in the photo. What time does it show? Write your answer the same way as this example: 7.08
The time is 9.54
